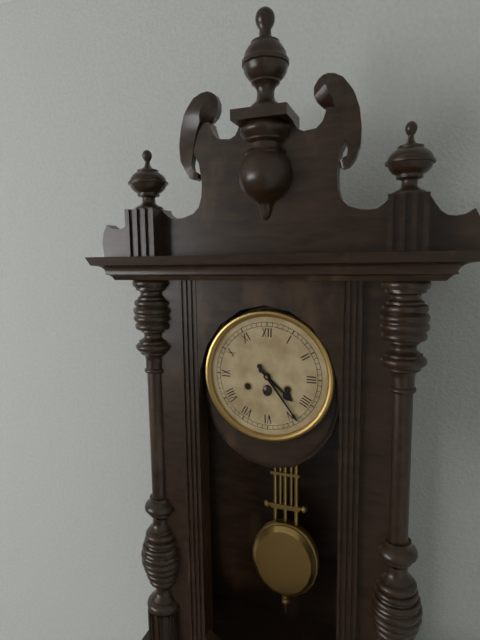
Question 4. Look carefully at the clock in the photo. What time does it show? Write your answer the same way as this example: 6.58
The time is 4.24
